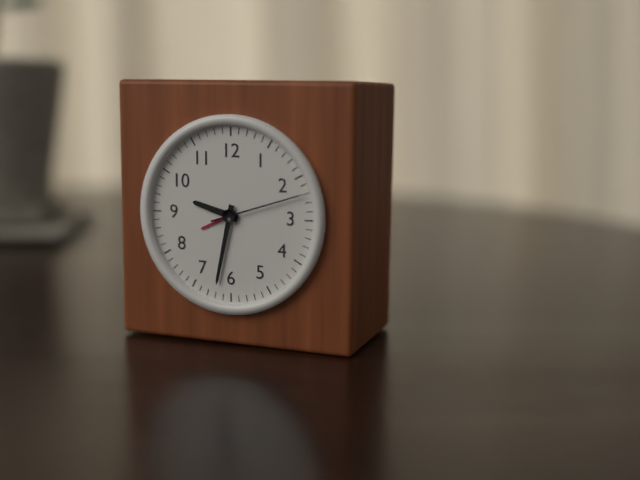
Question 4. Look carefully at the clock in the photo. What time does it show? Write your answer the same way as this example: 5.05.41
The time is 9.32.12
